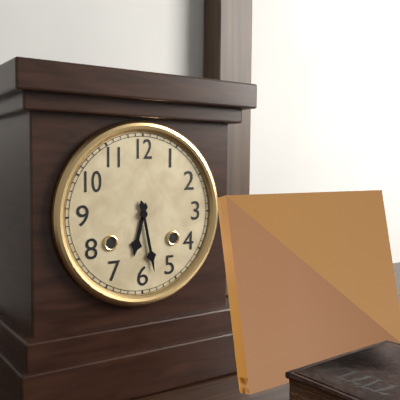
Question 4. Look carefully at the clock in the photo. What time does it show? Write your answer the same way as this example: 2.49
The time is 6.28
